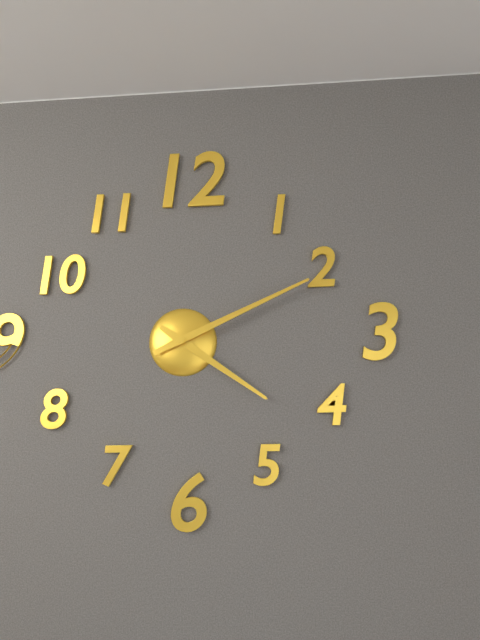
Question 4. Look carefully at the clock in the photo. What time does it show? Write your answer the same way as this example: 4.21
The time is 4.11
